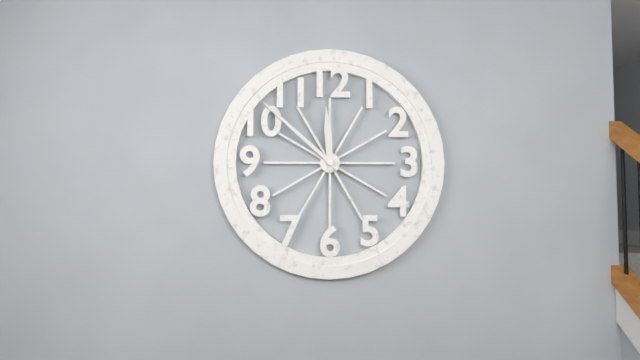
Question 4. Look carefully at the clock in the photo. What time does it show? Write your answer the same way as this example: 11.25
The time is 11.52
